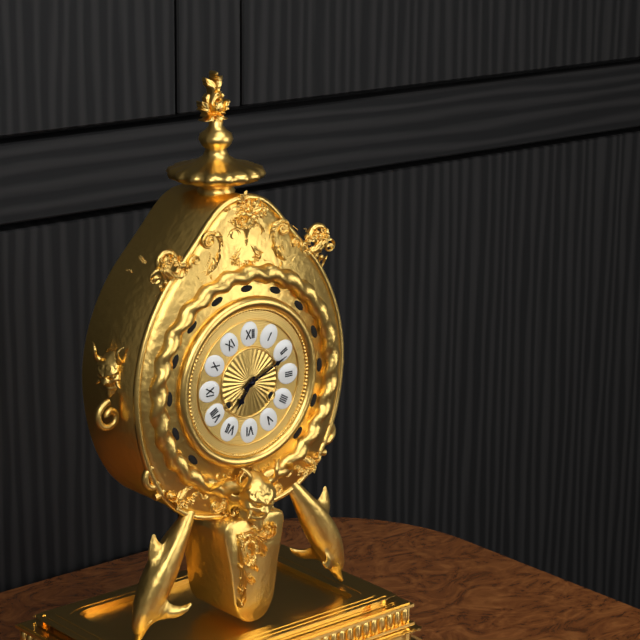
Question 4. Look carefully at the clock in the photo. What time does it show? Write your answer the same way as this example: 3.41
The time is 7.11
